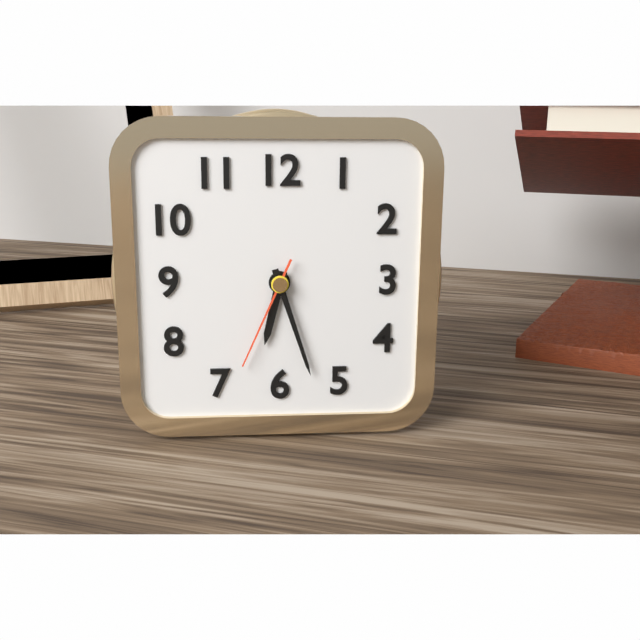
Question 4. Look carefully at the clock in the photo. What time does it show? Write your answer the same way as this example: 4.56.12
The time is 6.27.34
